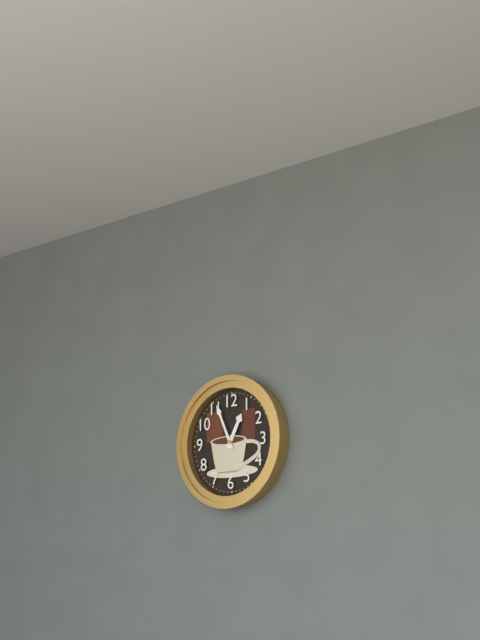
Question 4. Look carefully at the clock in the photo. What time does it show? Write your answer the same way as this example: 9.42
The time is 12.56
